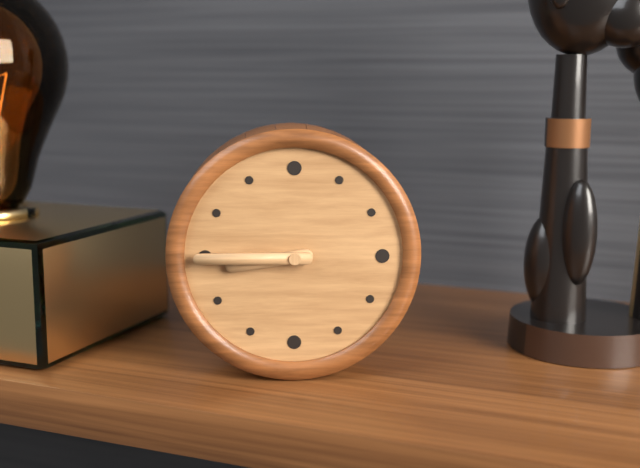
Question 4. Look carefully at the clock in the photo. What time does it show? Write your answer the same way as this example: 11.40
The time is 8.45
